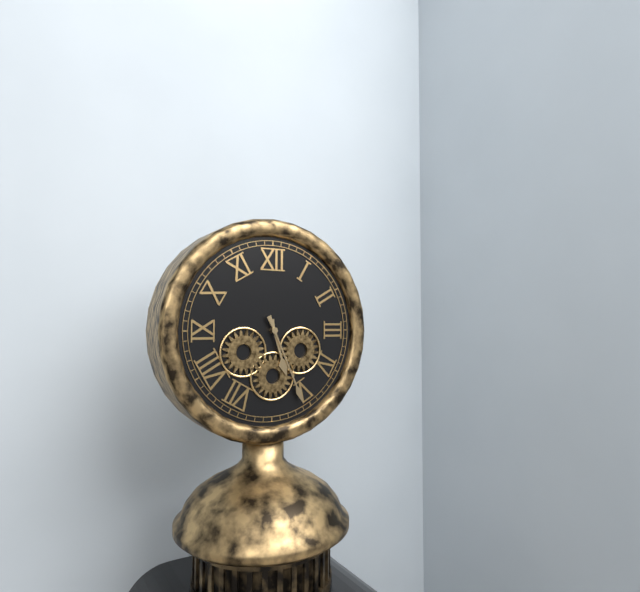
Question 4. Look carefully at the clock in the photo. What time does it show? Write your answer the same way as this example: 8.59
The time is 5.26
